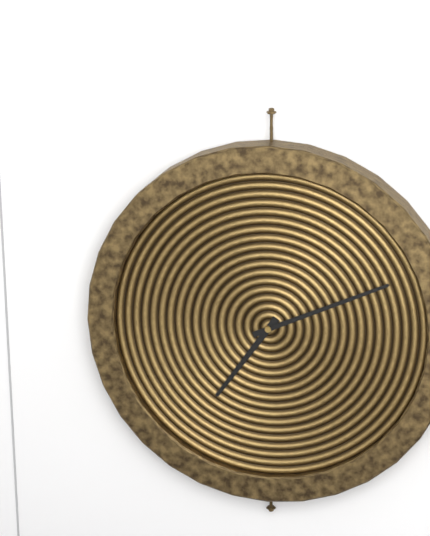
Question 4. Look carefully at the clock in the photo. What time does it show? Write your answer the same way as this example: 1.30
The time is 7.11
